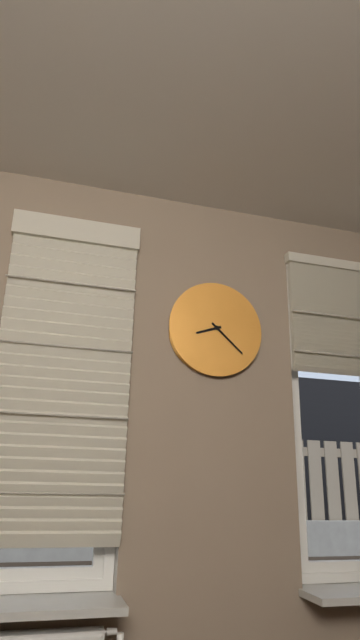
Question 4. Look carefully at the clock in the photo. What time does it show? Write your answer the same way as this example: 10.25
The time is 8.22
